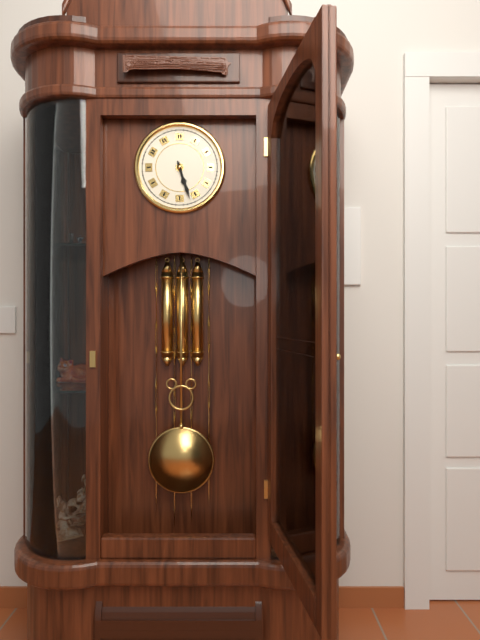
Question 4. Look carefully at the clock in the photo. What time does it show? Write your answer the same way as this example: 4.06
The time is 5.27
